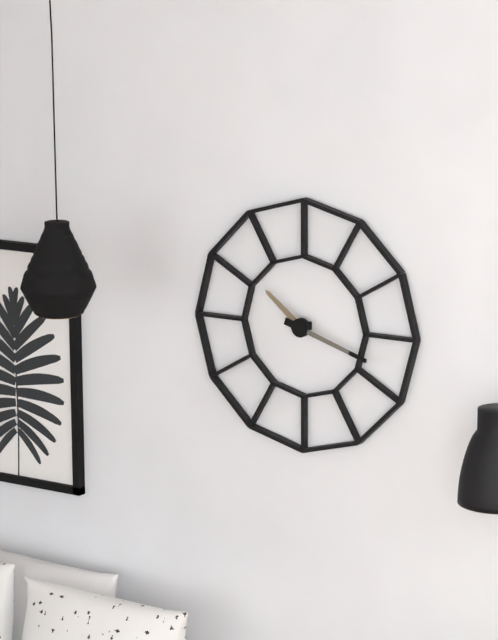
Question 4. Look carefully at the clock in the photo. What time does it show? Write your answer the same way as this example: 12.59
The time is 10.18
